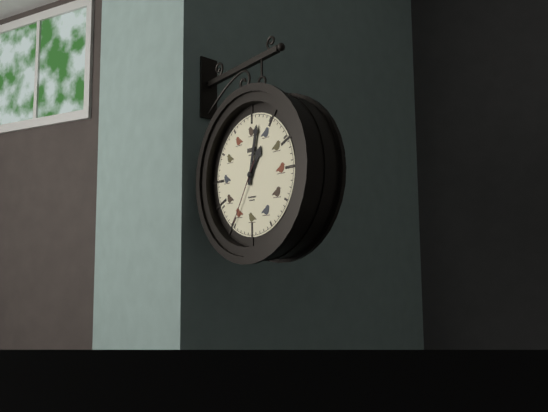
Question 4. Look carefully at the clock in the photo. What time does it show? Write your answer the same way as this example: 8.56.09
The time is 1.02.35
